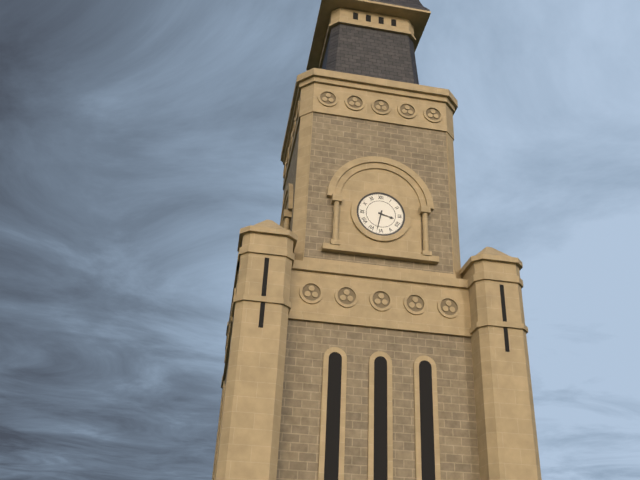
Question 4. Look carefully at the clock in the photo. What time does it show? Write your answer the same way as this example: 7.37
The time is 3.32
